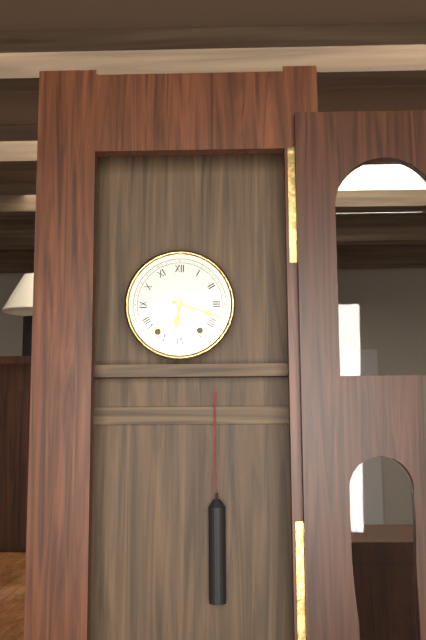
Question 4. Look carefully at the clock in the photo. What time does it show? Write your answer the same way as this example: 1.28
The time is 6.18
